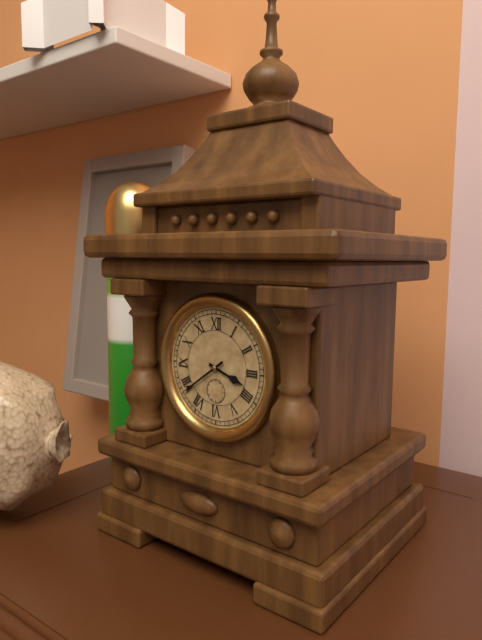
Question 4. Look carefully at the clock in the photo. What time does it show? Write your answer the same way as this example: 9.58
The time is 3.39
